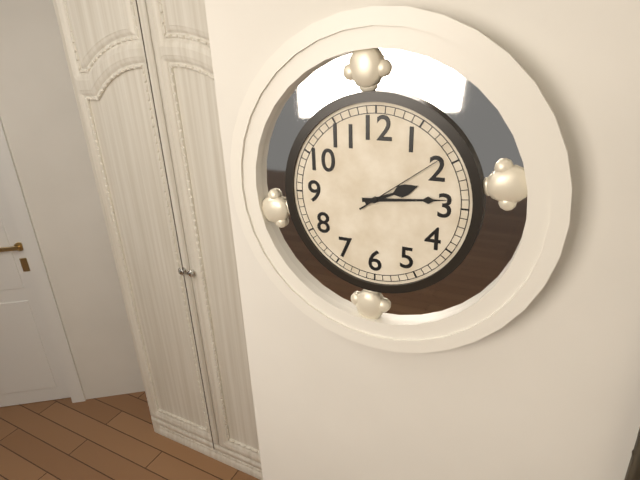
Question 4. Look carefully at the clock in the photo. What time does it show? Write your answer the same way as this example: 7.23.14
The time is 2.14.09
